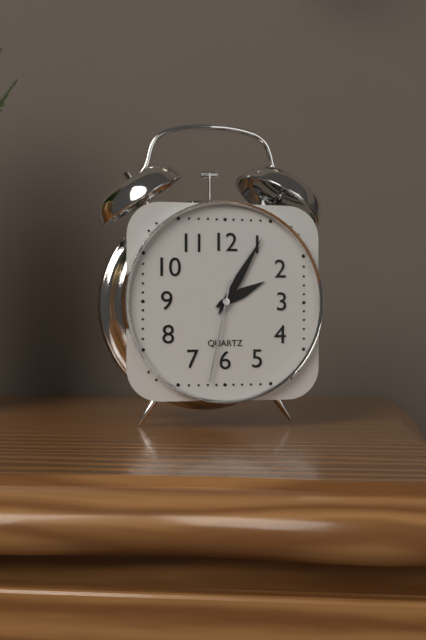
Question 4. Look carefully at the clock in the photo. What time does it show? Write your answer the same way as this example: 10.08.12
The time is 2.05.32
